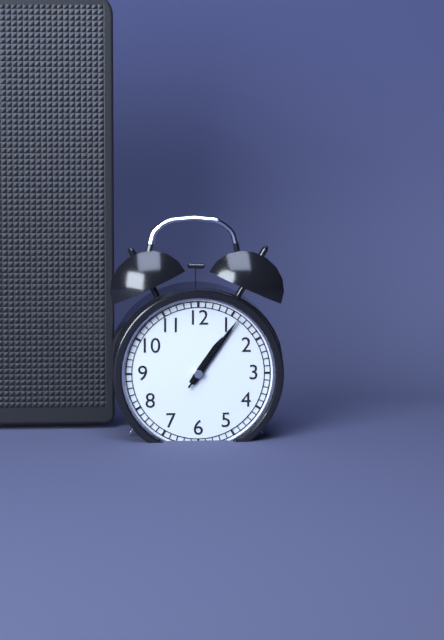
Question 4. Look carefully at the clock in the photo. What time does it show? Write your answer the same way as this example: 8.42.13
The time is 1.06.06
